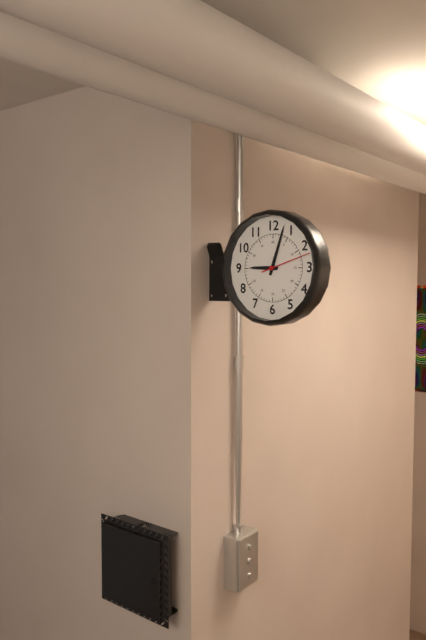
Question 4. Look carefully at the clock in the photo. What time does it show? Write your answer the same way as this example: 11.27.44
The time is 9.03.12
